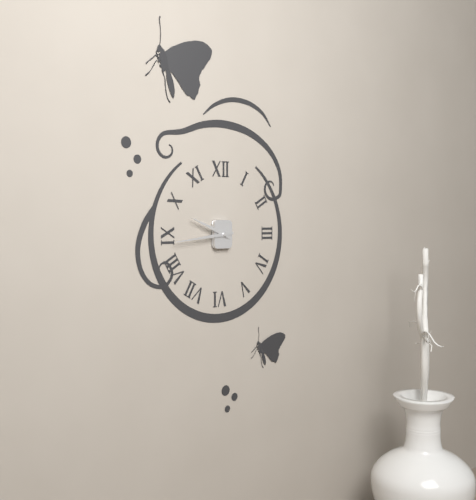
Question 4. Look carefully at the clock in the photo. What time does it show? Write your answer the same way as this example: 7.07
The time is 9.44
